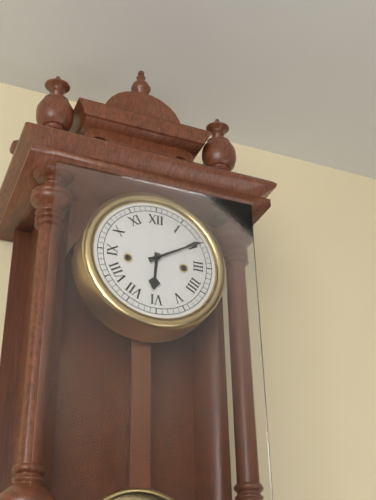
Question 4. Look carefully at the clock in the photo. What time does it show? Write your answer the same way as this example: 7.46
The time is 6.10
